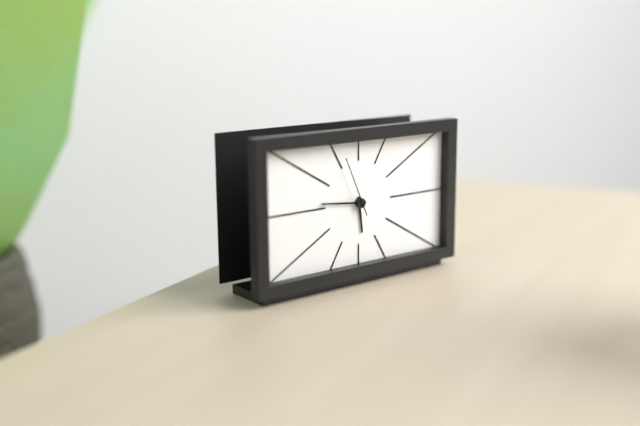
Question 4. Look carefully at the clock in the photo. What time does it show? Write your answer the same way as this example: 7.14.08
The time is 5.46.56
